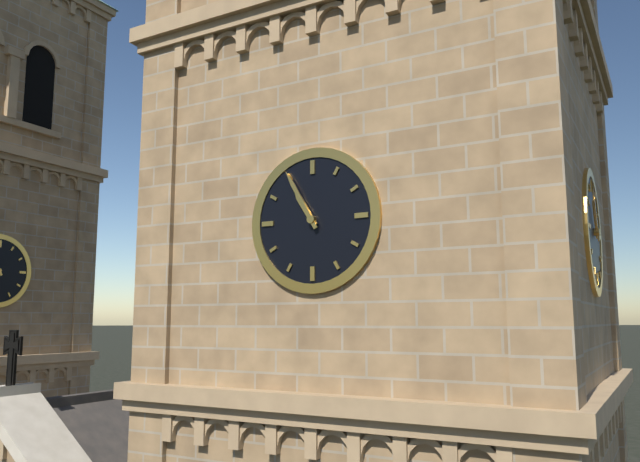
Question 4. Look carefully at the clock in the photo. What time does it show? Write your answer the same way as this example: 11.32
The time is 10.55
